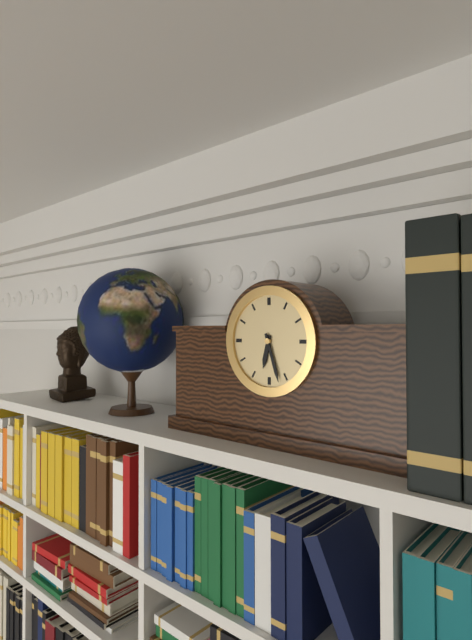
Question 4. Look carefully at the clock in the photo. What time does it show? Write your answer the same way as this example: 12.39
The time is 6.27
